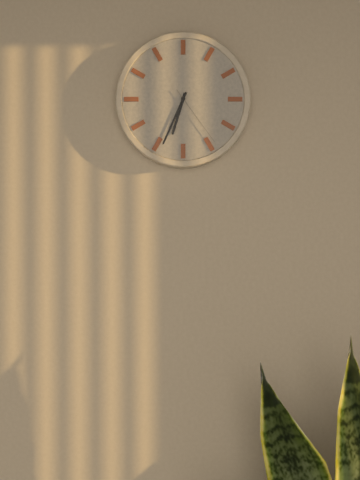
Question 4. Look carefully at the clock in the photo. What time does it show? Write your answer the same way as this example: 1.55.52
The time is 6.34.24
